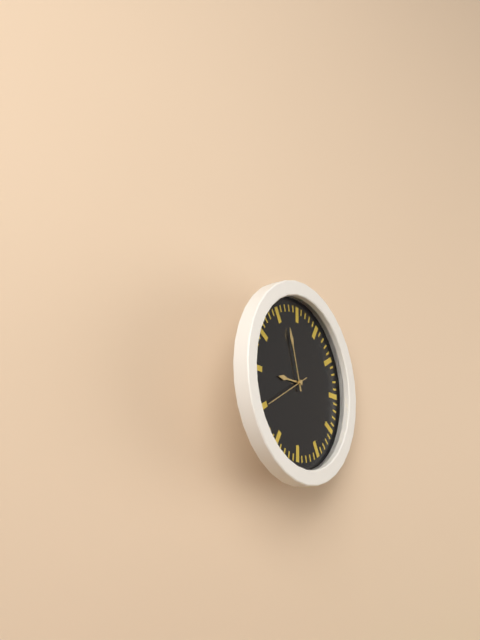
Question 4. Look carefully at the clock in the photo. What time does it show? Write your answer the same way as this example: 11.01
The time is 8.57
